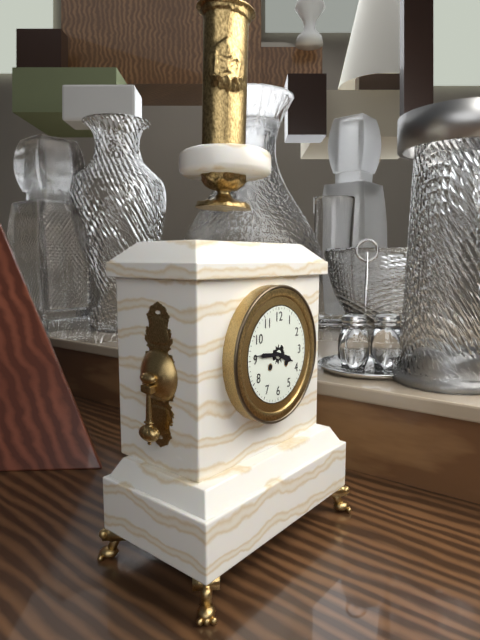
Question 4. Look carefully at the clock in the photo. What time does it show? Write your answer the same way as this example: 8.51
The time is 3.46
